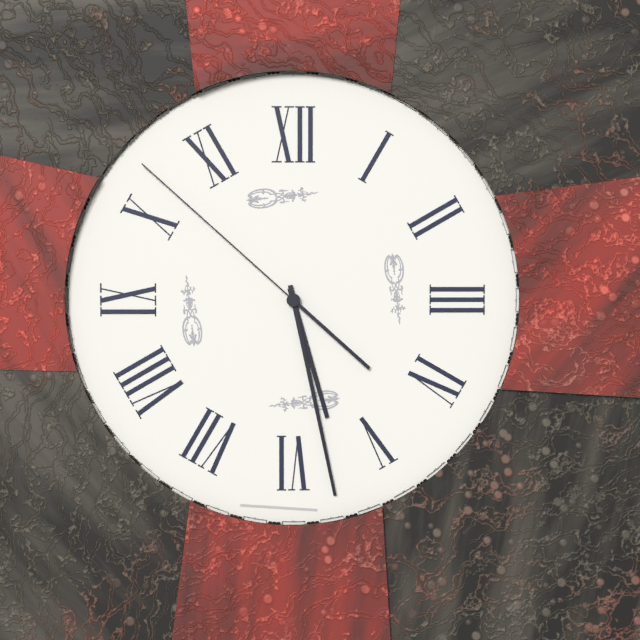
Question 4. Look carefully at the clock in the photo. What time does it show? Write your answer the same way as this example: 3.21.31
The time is 5.28.52
